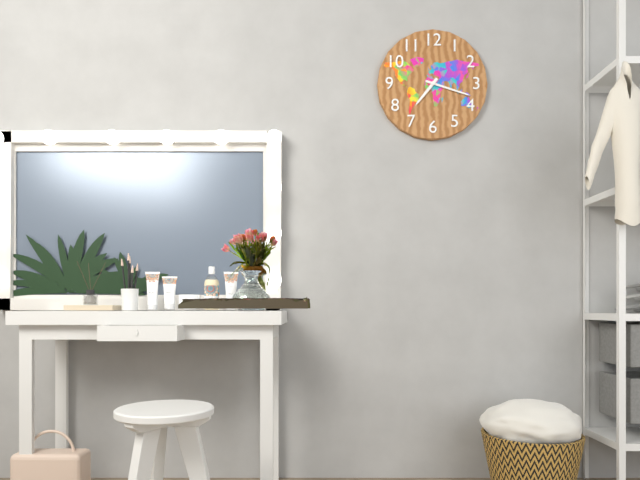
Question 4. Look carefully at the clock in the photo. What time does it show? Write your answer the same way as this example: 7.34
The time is 7.18
